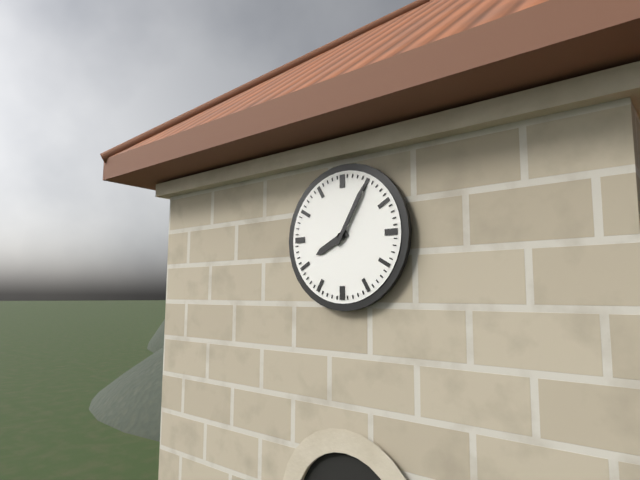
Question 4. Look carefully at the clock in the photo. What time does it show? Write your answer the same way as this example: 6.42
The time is 8.05
